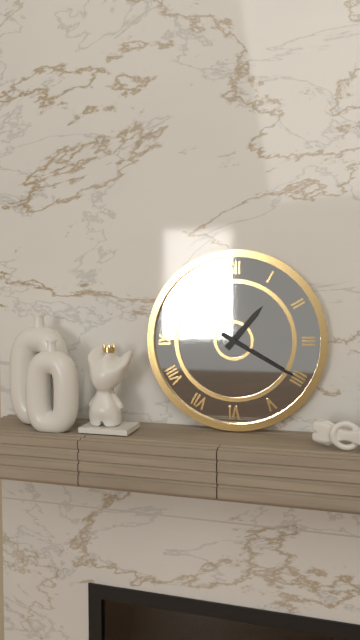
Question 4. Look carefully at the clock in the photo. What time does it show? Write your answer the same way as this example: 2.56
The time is 1.20
